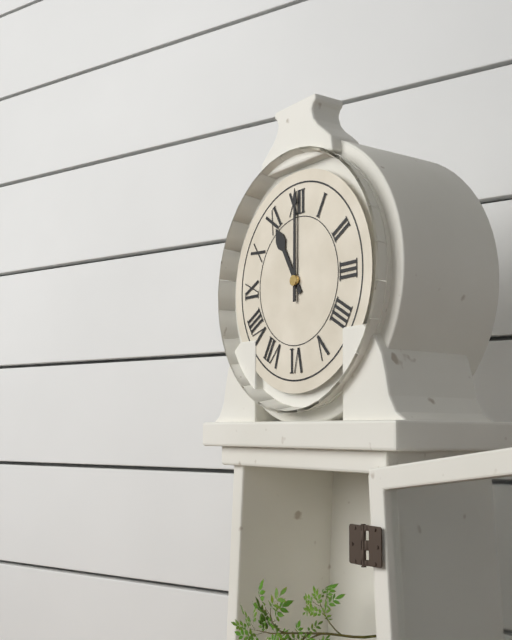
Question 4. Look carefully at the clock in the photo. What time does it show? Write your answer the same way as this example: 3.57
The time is 11.00
